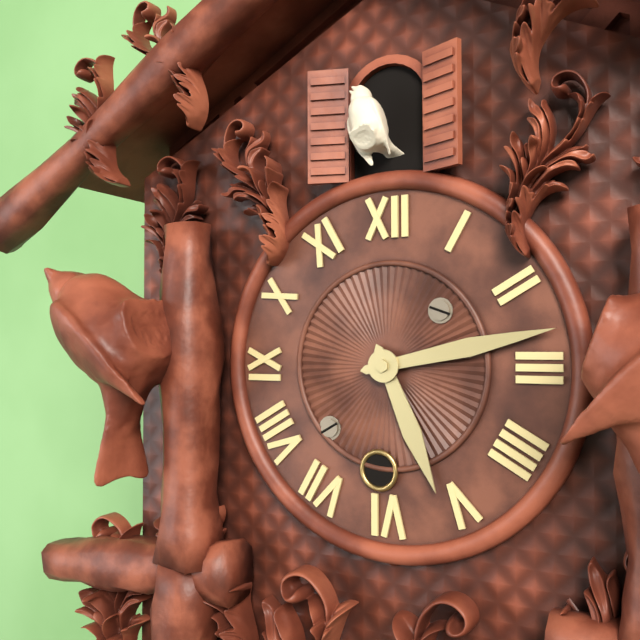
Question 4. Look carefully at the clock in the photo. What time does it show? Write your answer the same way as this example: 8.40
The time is 5.13
